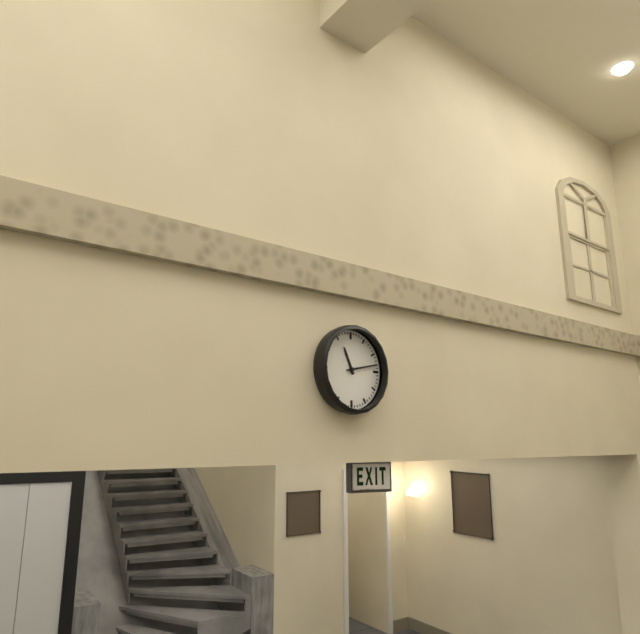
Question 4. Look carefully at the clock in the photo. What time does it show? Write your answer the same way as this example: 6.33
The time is 11.13
